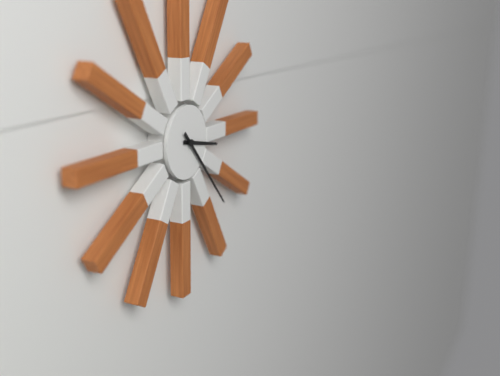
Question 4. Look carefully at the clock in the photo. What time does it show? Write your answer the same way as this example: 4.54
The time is 3.23
